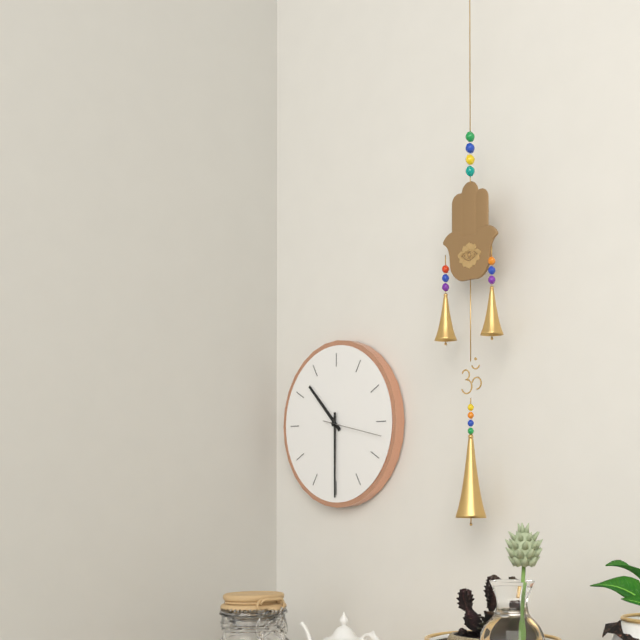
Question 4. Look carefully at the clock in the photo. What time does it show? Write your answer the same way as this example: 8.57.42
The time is 10.30.17
